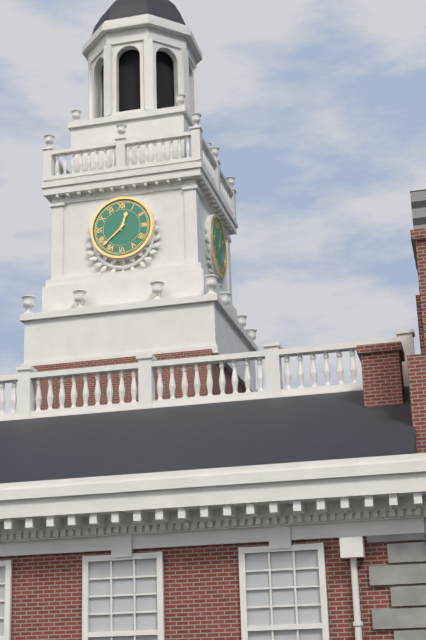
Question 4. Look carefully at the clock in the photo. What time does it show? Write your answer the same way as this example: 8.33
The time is 12.38
